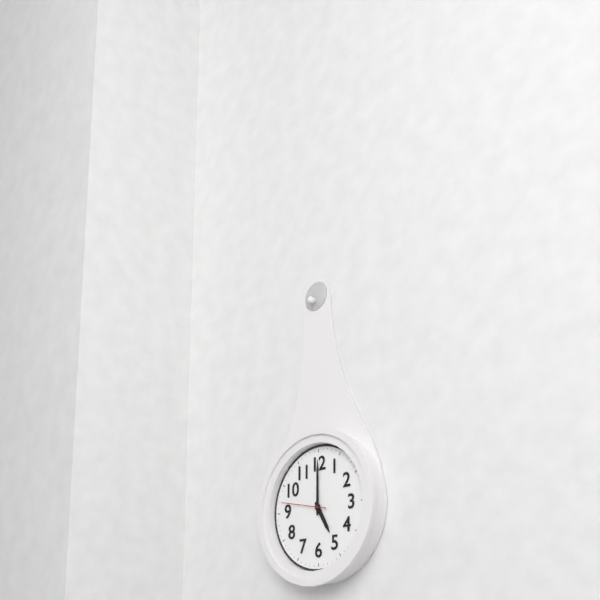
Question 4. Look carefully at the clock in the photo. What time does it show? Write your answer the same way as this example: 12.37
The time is 5.00
